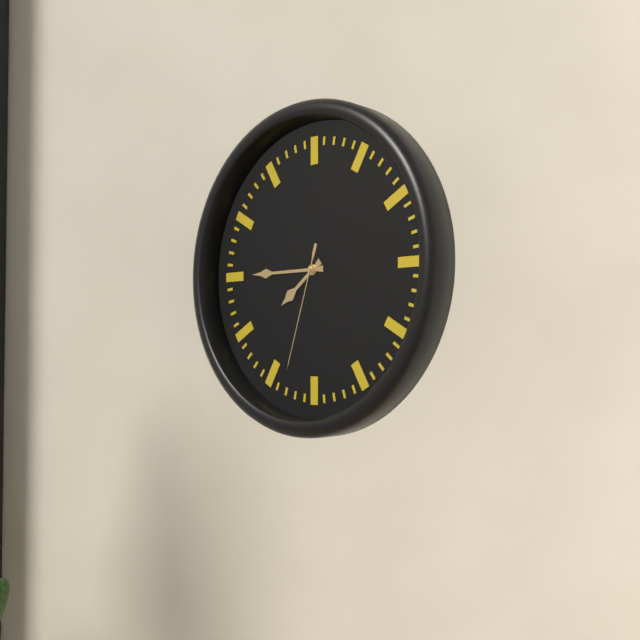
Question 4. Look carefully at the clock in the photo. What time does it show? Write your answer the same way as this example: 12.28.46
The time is 7.45.33
